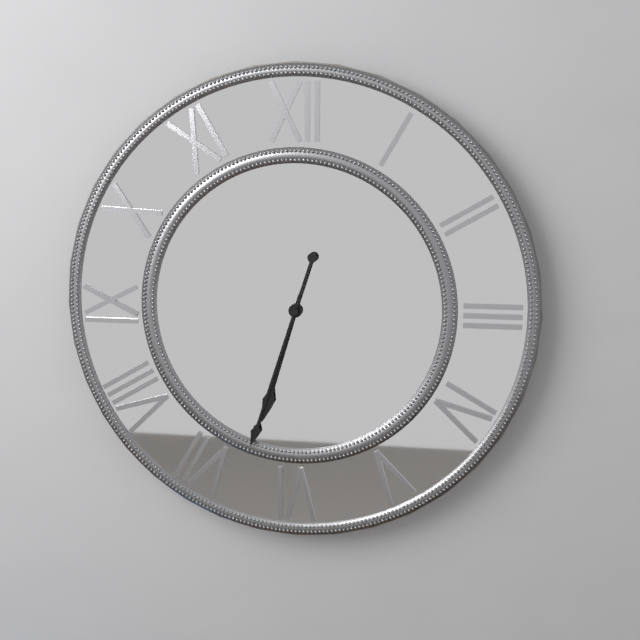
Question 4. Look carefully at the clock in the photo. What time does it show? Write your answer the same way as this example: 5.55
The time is 6.33
